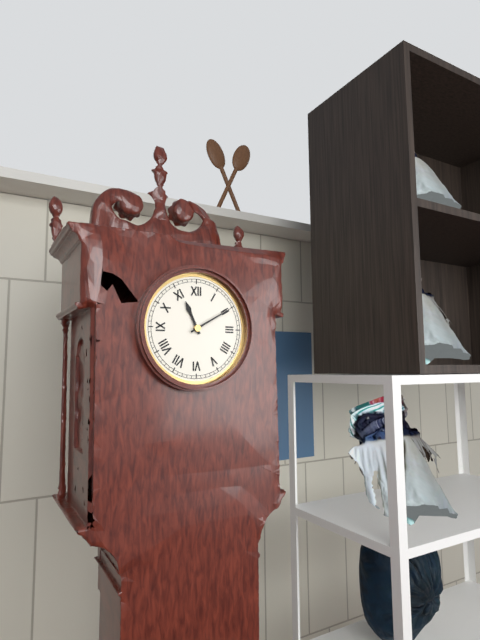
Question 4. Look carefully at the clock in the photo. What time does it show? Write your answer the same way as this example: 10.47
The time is 11.10
